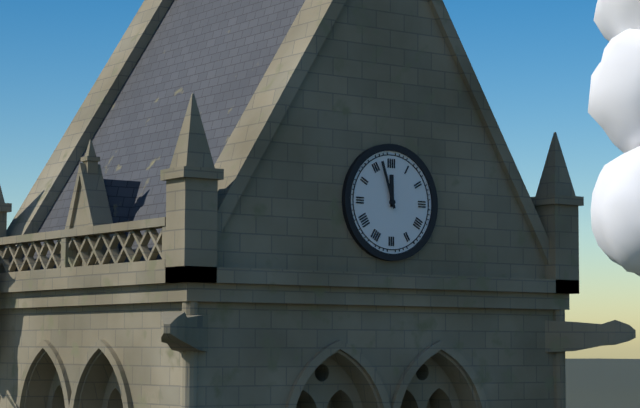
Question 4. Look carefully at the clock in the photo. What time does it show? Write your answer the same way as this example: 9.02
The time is 11.57
